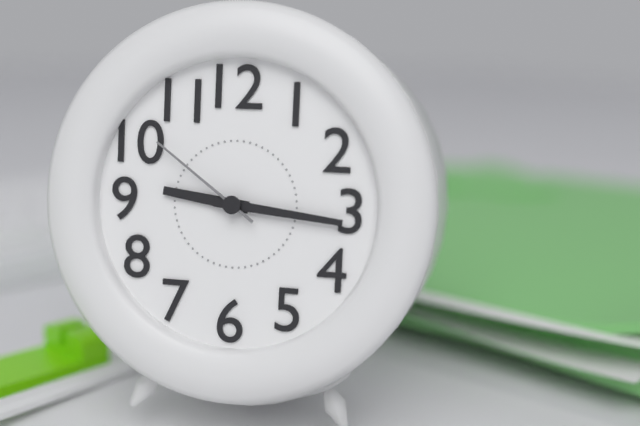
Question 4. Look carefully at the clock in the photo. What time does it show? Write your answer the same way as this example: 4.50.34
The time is 9.16.51
